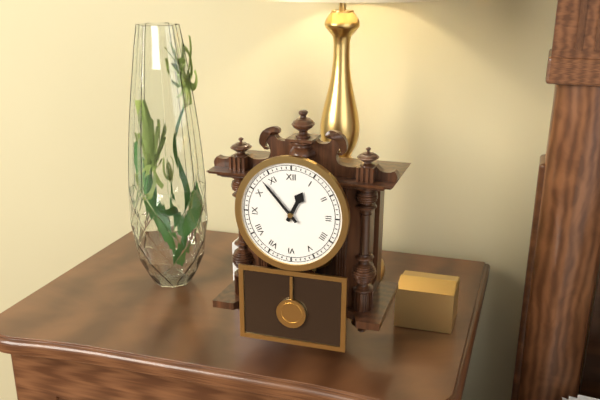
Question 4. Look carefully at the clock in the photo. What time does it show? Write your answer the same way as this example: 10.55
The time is 12.53
